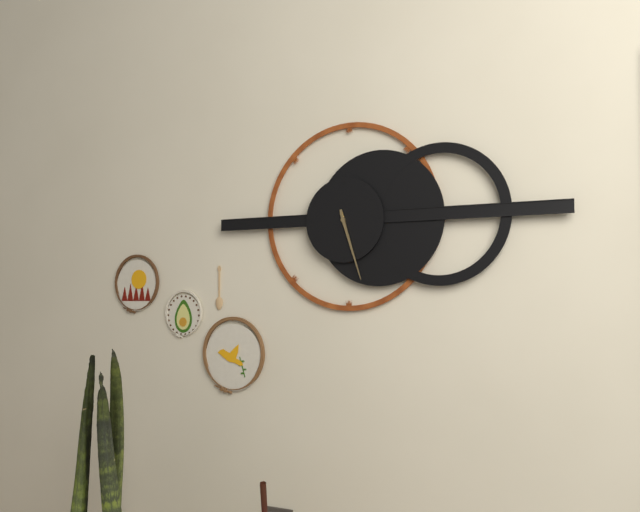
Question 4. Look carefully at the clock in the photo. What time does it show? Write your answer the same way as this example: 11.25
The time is 5.27
